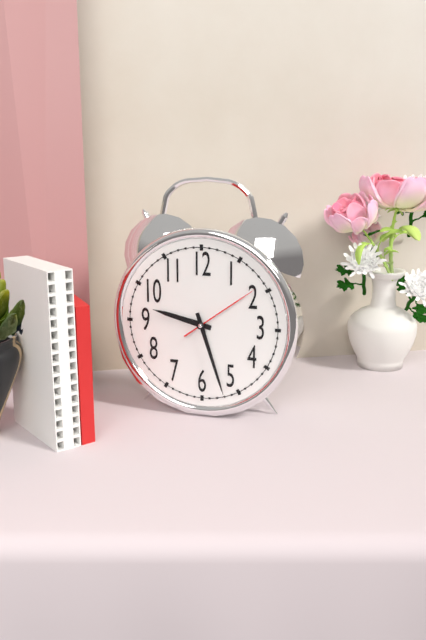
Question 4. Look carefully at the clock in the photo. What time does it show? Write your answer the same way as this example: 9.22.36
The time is 9.27.09
